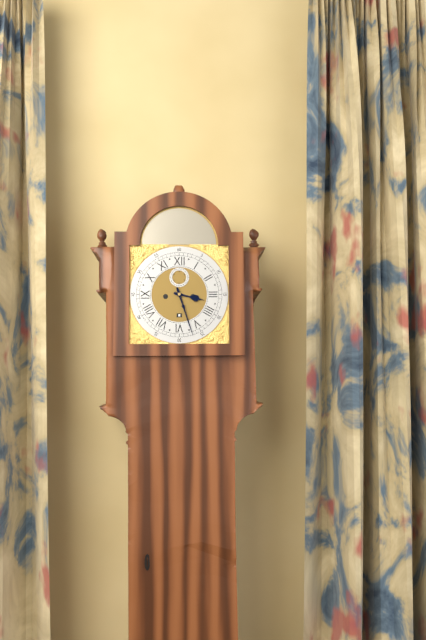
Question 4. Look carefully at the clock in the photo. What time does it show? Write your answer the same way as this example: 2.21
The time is 3.27
